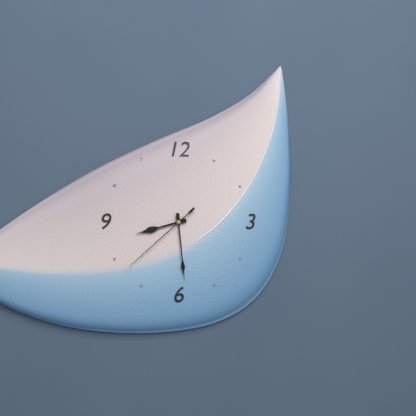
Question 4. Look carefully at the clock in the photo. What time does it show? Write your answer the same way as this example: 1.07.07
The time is 8.29.38
